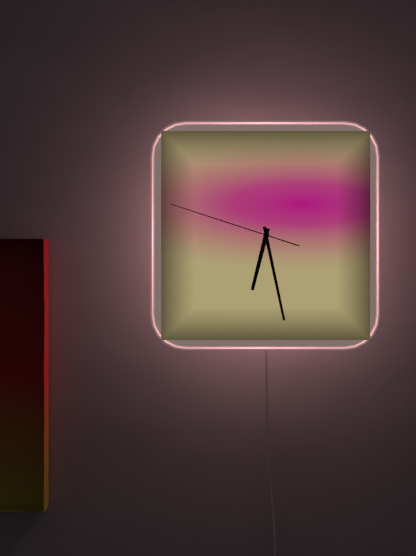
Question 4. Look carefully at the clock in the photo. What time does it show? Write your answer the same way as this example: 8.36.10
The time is 6.28.48
